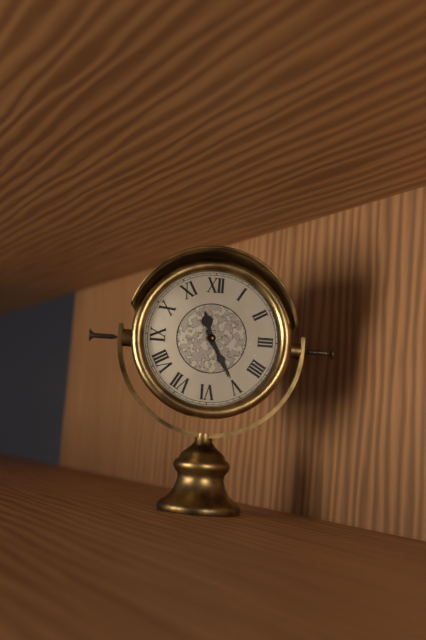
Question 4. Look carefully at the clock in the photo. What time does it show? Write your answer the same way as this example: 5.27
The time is 11.25
